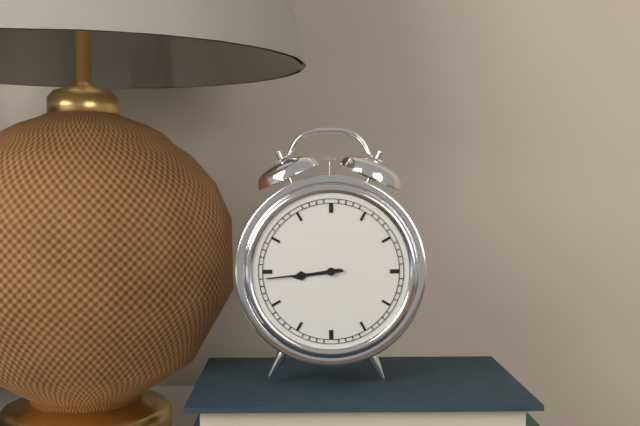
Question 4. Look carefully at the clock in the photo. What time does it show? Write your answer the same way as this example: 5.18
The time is 8.44
